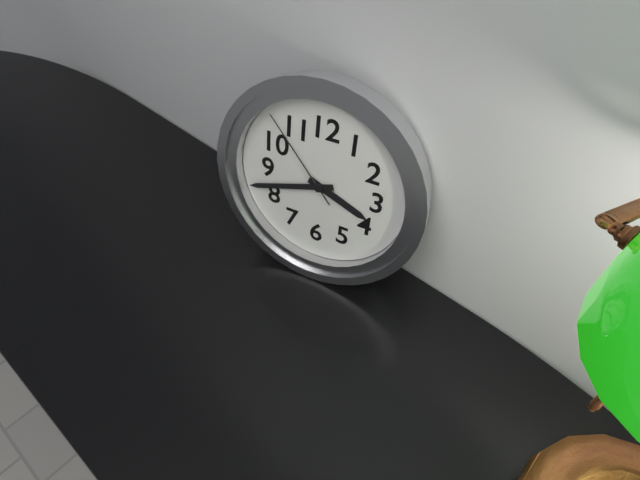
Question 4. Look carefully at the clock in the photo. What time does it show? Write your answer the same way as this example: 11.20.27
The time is 3.42.53
